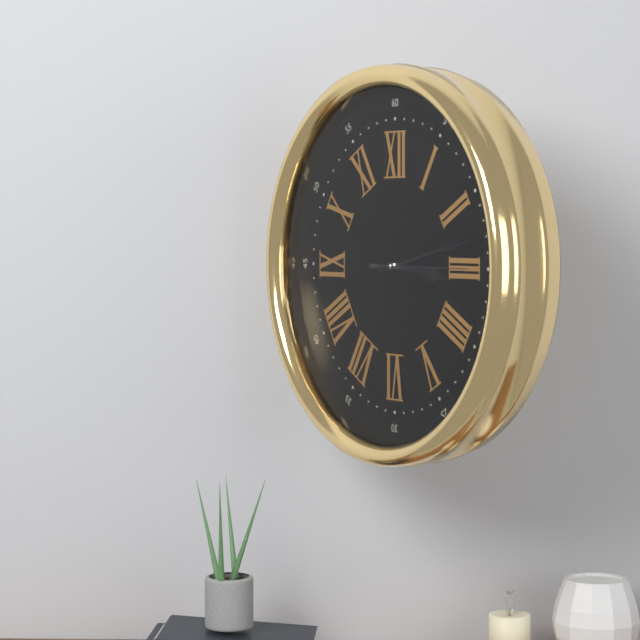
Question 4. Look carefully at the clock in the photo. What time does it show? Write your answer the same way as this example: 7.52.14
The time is 3.13.15
